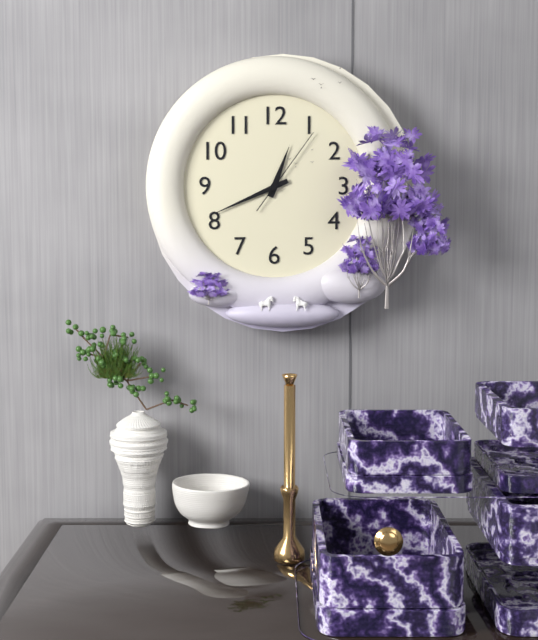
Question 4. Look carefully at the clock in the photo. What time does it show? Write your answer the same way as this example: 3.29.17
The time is 12.41.06
